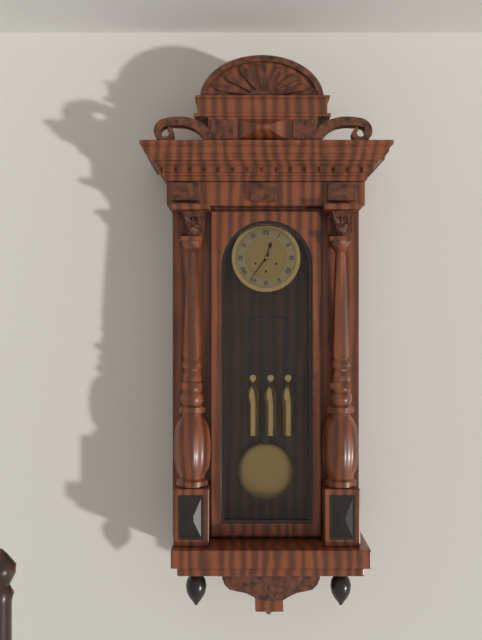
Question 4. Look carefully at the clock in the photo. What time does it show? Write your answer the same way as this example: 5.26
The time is 12.36
